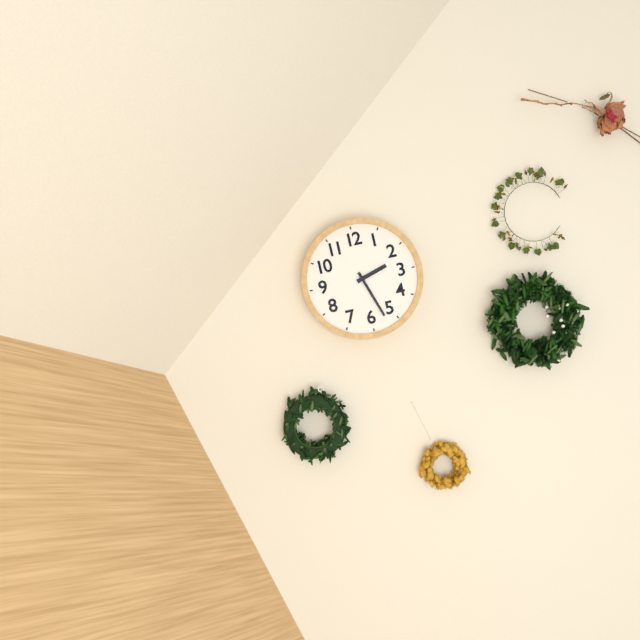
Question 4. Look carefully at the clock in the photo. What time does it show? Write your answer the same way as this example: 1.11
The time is 2.27
